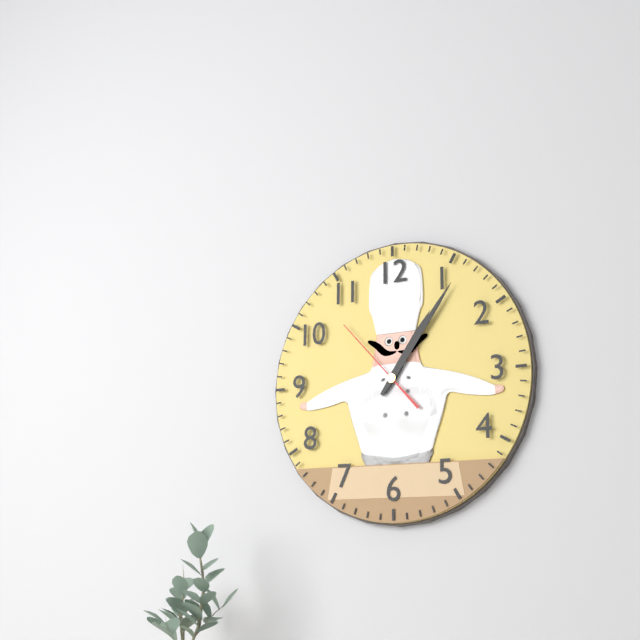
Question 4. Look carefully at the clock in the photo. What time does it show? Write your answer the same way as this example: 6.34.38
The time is 1.06.53
